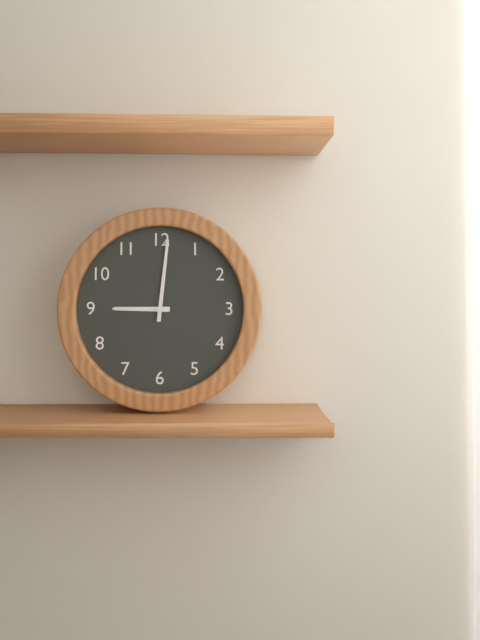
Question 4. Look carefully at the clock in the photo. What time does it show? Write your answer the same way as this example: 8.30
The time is 9.01
